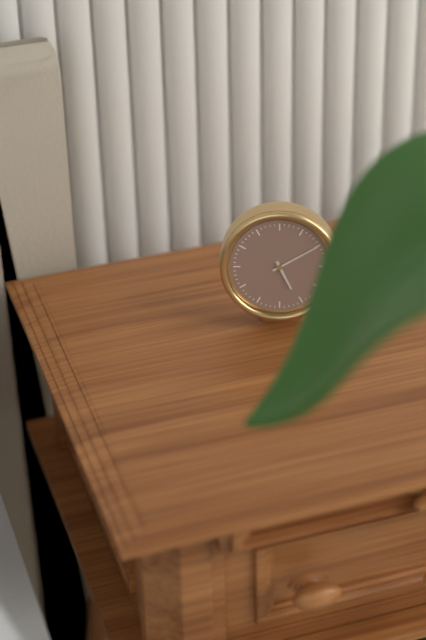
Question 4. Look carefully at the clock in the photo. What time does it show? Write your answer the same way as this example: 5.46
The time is 5.10
